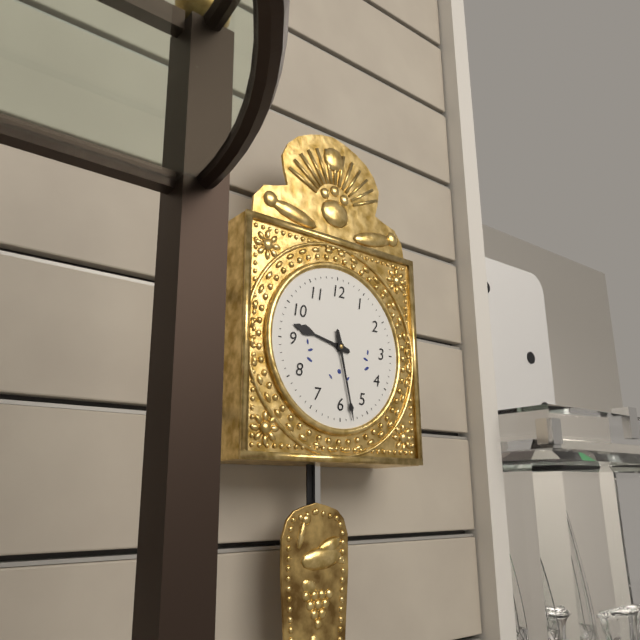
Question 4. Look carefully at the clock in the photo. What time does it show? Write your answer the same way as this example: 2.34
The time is 9.28
